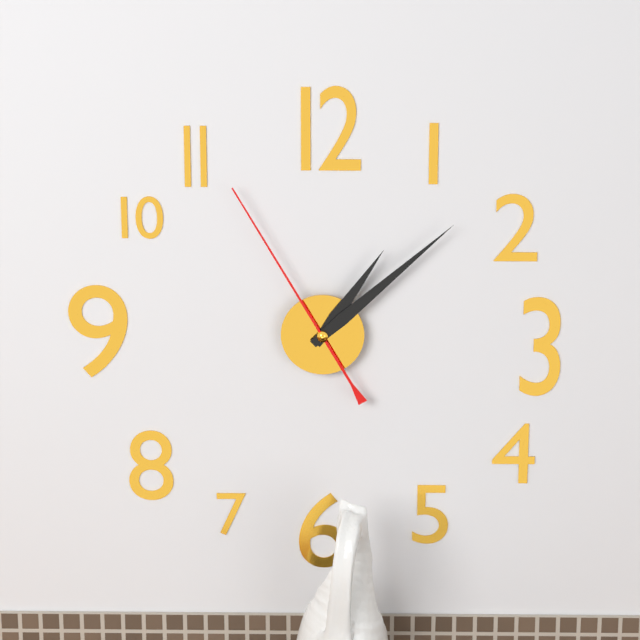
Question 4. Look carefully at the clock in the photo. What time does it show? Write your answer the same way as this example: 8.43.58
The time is 1.08.55
